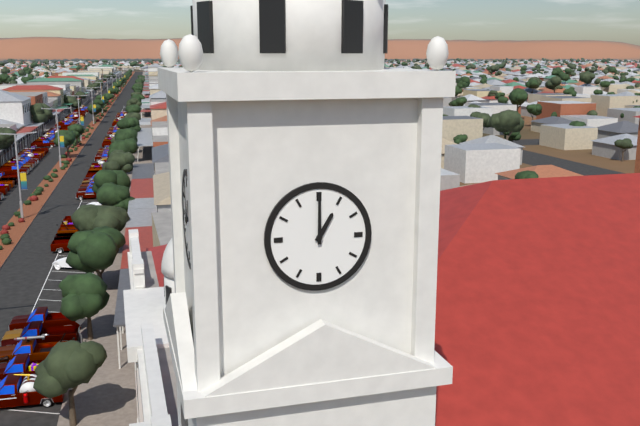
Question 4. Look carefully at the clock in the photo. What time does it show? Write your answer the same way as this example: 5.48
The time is 1.00
